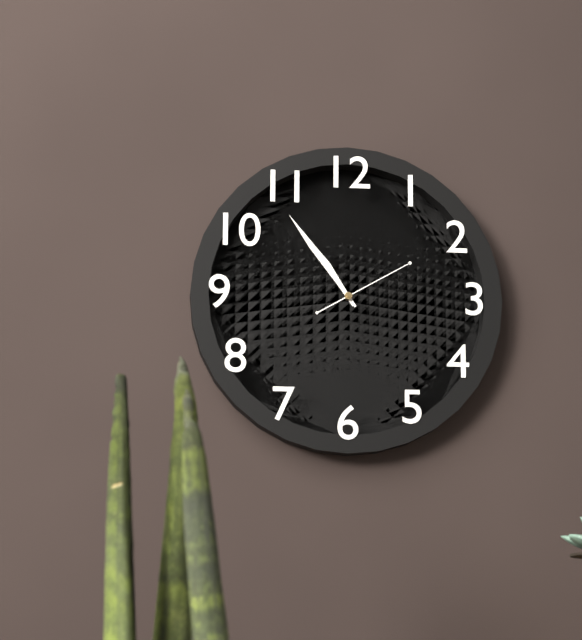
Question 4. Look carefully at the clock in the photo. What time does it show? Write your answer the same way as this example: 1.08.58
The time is 10.54.10
